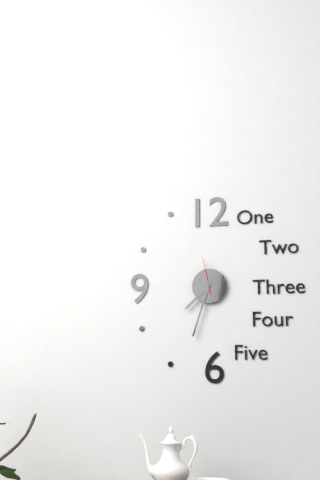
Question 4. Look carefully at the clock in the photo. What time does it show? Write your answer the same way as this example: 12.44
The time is 7.33
